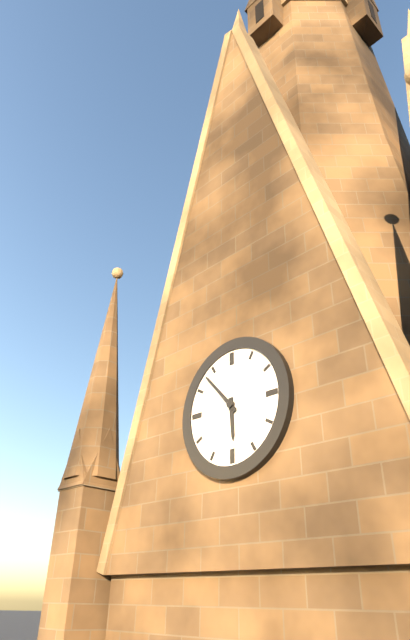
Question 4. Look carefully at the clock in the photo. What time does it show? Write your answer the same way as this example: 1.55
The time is 5.53
